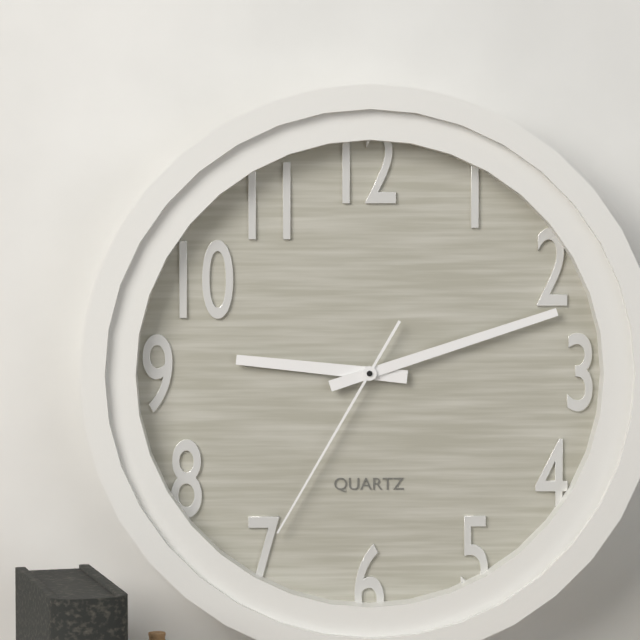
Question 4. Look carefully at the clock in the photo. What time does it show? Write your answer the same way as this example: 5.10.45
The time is 9.12.35
